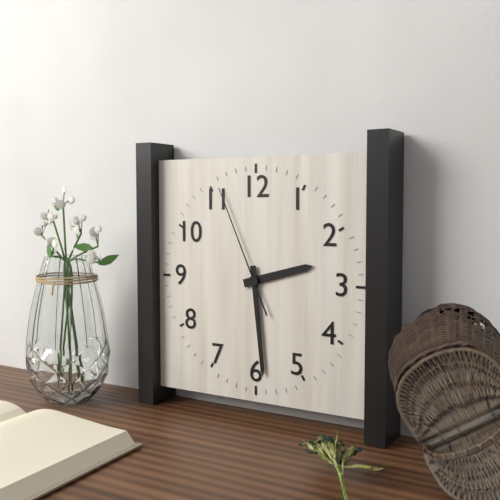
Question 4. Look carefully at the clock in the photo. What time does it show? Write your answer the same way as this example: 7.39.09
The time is 2.29.56
